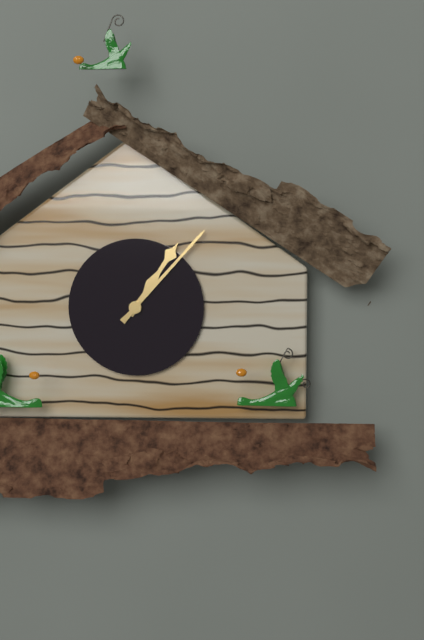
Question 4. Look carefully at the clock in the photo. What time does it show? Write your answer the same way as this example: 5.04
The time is 1.07
